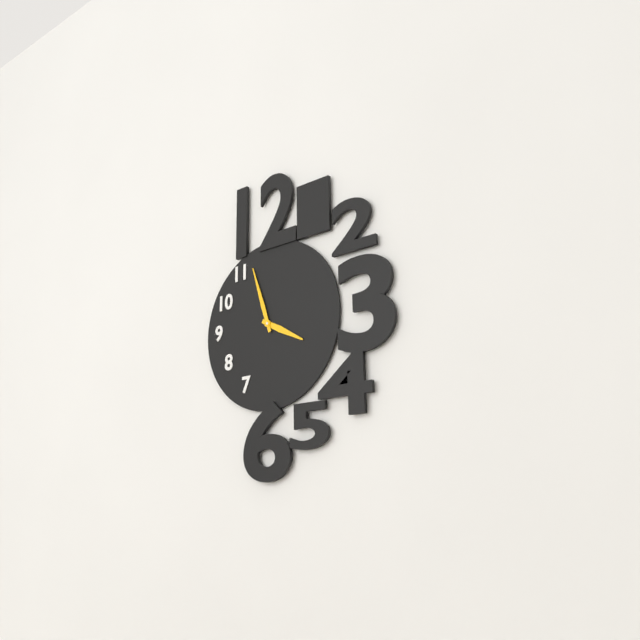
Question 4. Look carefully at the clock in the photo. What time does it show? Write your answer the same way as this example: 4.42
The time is 3.57
